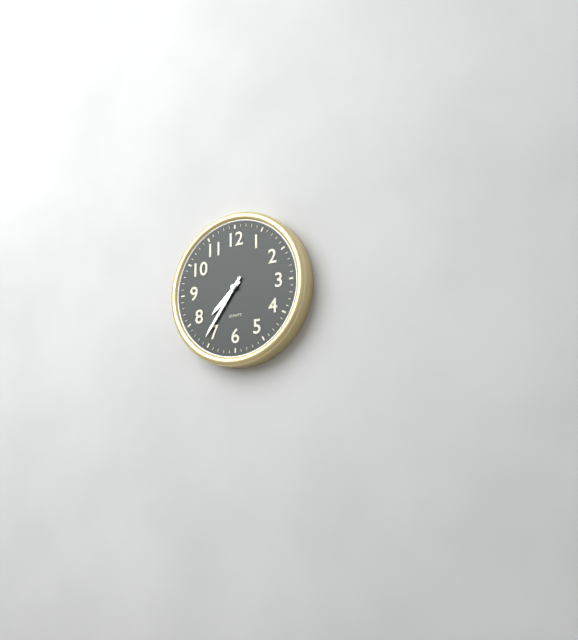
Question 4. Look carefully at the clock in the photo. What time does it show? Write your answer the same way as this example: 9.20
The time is 7.36
